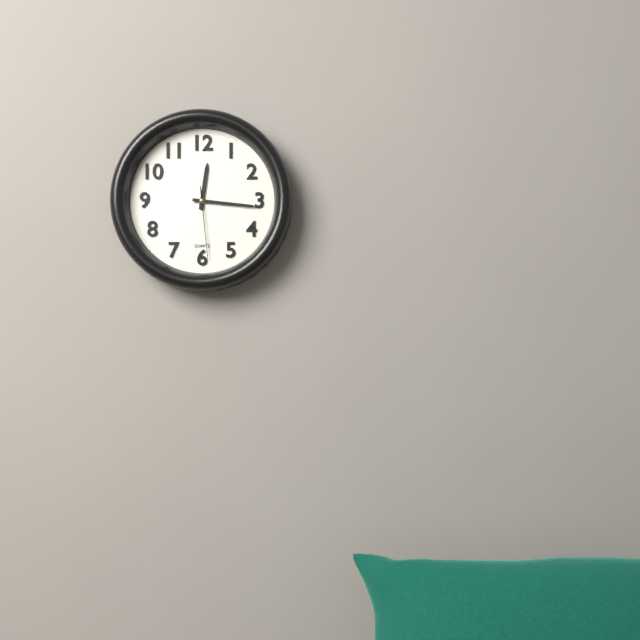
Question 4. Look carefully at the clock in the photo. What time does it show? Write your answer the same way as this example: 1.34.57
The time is 12.16.29
